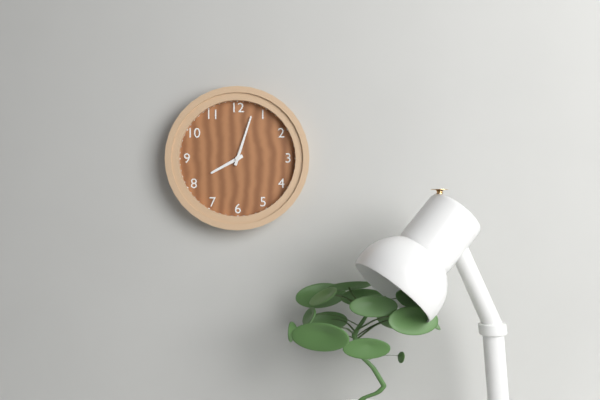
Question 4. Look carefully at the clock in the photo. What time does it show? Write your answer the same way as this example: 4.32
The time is 8.03
